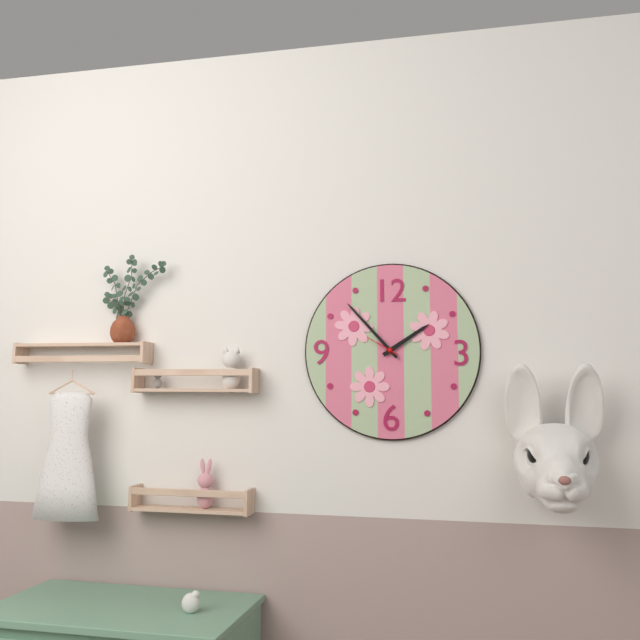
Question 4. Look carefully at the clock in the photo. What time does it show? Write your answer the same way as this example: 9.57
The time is 1.53
